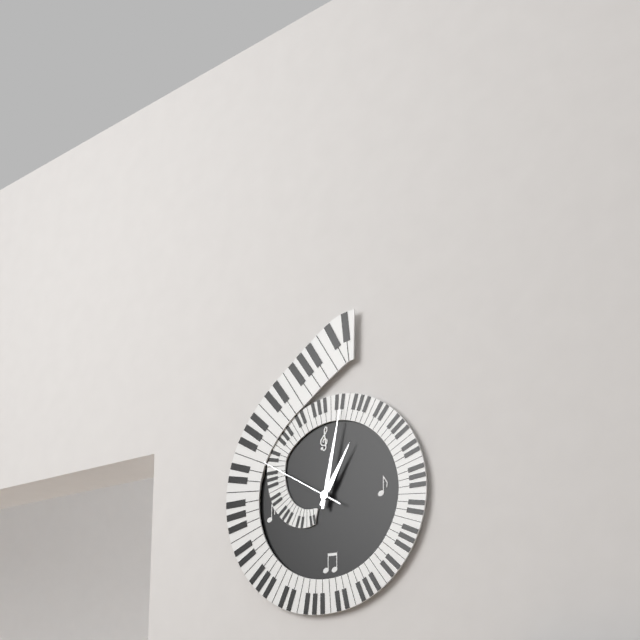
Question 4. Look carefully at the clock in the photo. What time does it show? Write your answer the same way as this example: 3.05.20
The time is 1.02.50
